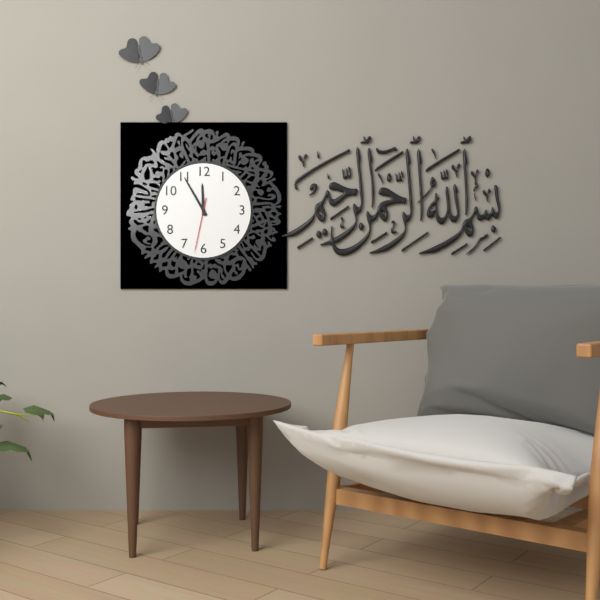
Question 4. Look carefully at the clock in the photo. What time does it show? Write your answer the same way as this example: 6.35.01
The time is 11.55.32
